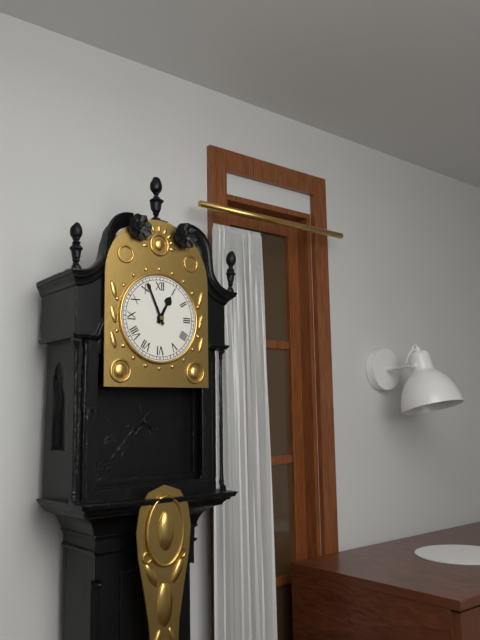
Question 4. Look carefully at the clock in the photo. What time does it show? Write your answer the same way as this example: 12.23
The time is 12.56
